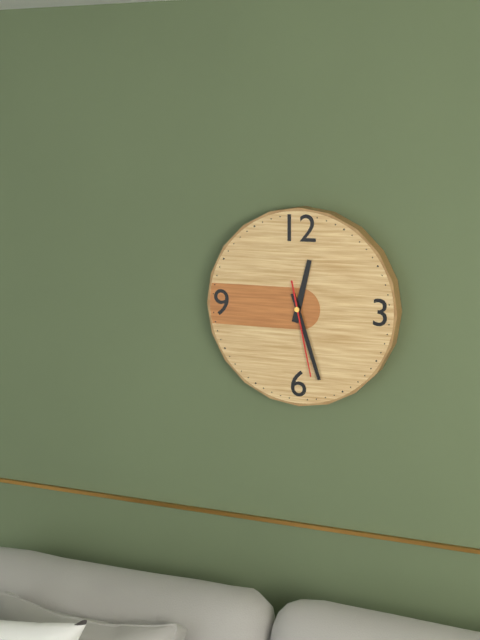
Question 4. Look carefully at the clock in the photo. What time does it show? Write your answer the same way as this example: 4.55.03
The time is 12.27.28
